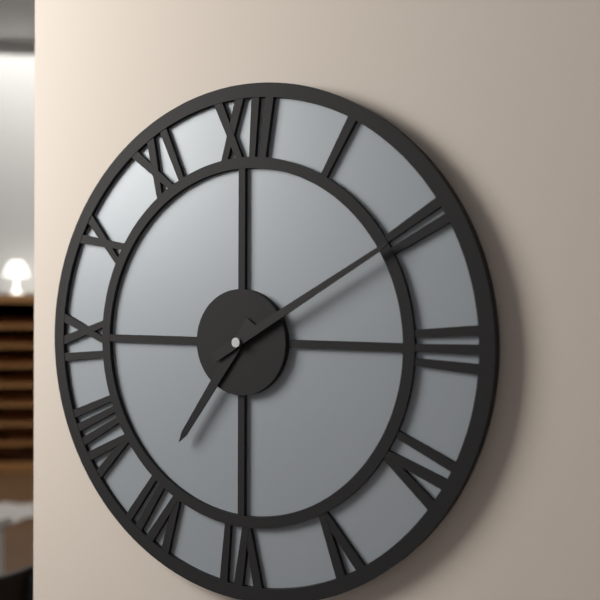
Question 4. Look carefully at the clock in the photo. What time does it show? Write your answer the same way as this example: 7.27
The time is 7.10
